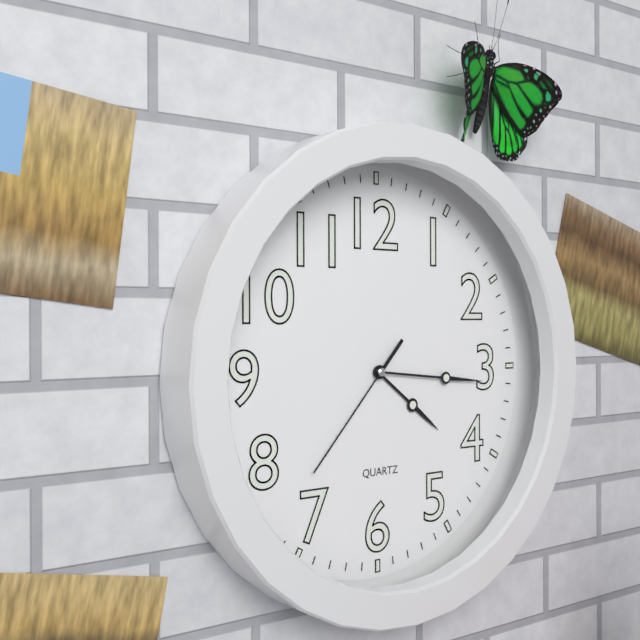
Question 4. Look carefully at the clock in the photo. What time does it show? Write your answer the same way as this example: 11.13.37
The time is 4.16.37
